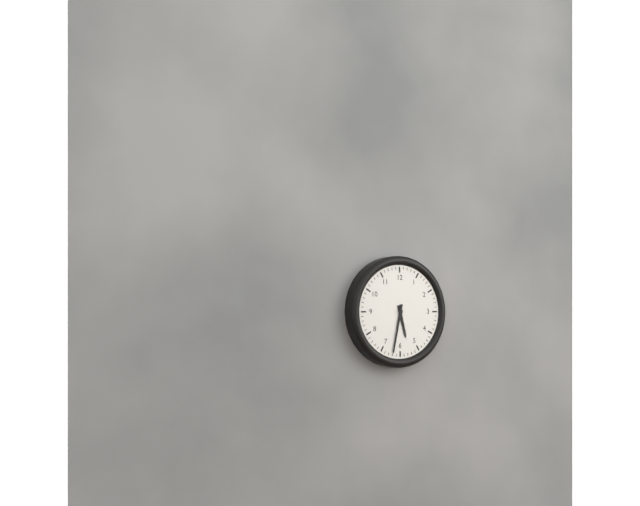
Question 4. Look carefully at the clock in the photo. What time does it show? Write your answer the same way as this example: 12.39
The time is 5.32
